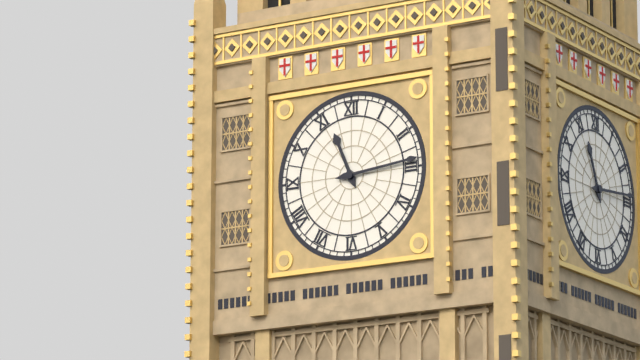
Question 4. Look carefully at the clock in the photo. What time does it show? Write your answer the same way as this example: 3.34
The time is 11.14
